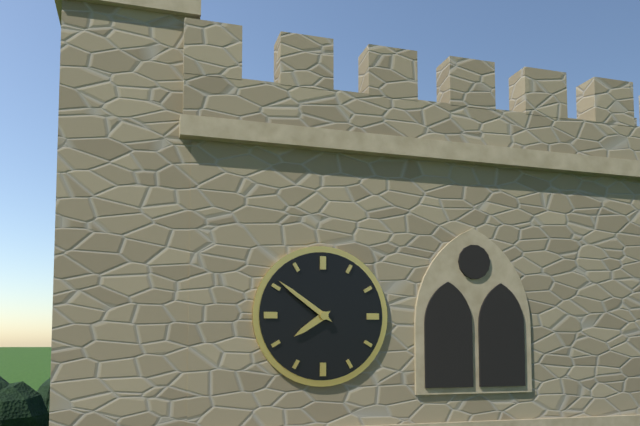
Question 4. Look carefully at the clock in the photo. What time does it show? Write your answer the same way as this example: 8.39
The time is 7.51
